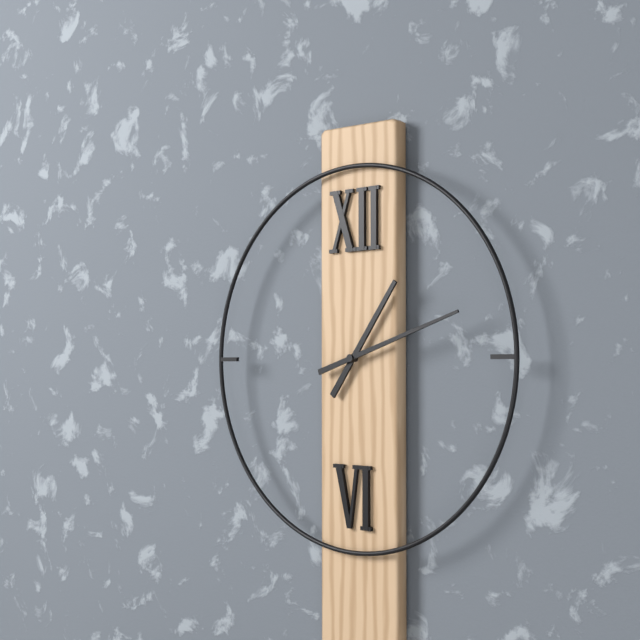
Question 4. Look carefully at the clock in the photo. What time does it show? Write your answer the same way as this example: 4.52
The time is 1.12
